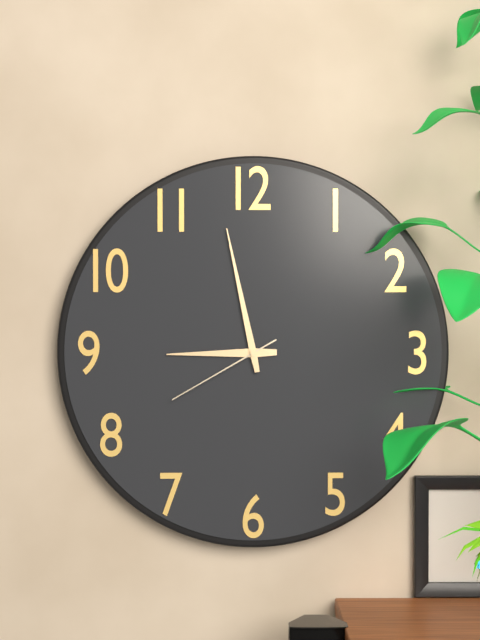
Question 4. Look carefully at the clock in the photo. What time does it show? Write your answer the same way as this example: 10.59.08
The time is 8.58.40
